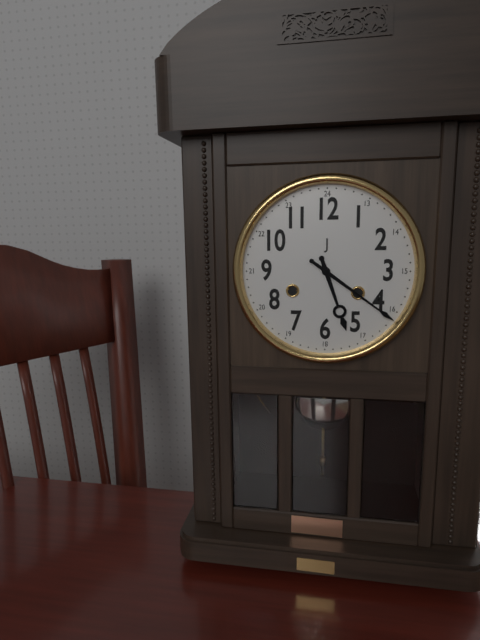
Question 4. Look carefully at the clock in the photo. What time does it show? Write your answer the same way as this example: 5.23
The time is 5.21
